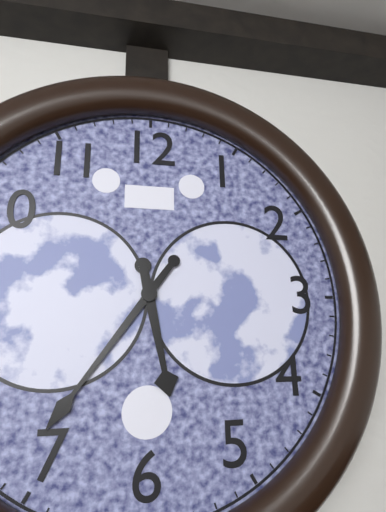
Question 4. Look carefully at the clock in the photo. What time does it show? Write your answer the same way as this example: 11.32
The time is 5.36
